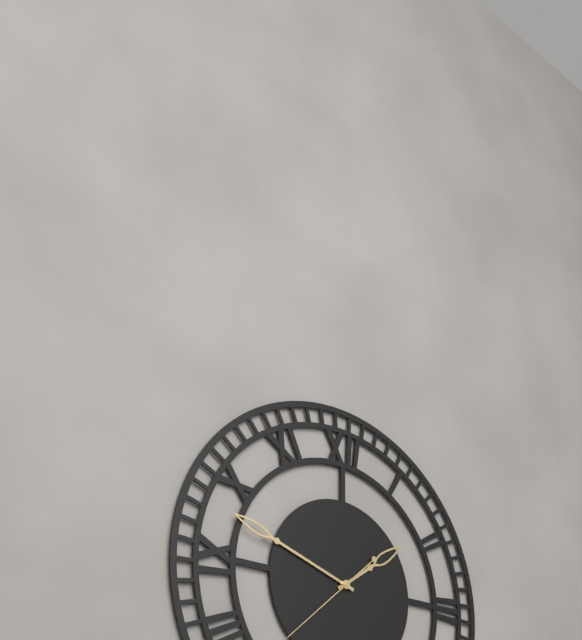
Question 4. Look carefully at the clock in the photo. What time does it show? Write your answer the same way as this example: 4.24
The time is 1.48
